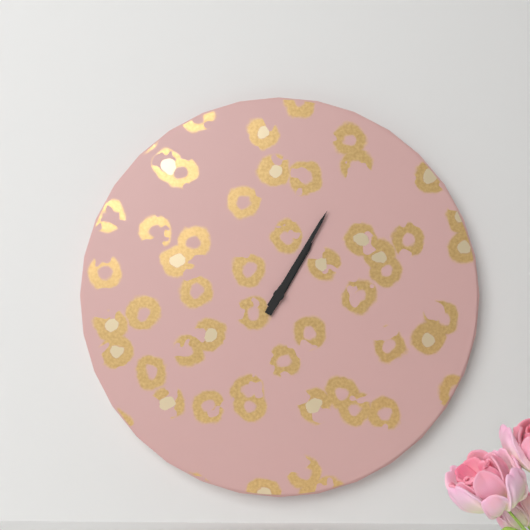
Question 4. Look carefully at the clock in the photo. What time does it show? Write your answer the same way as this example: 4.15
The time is 1.05
